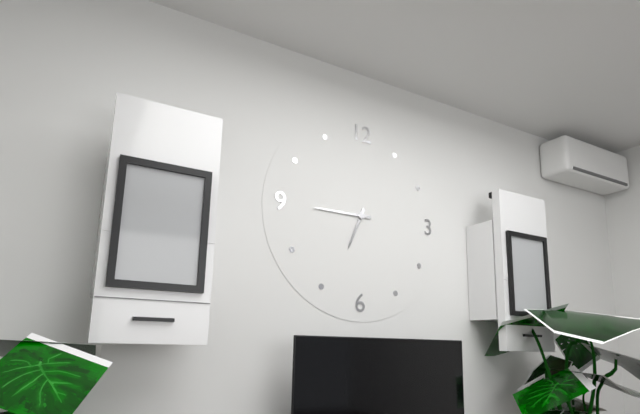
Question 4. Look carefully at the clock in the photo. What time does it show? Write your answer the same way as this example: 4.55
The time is 6.45
